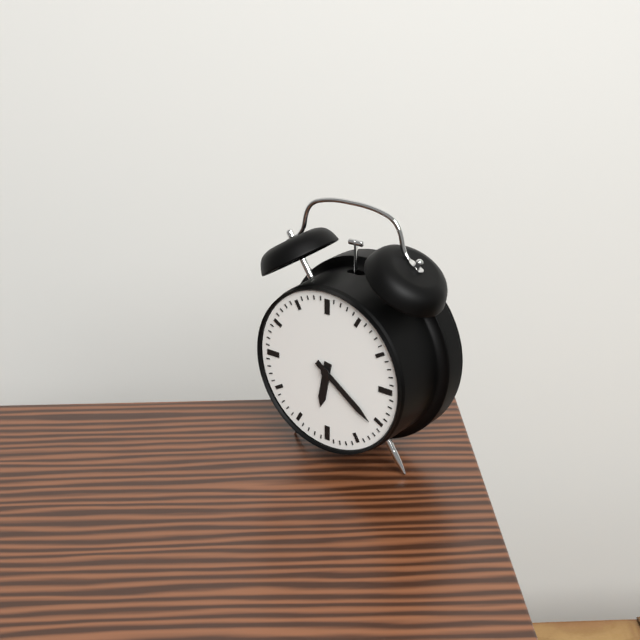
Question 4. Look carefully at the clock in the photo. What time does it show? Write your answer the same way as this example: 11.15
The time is 6.21
